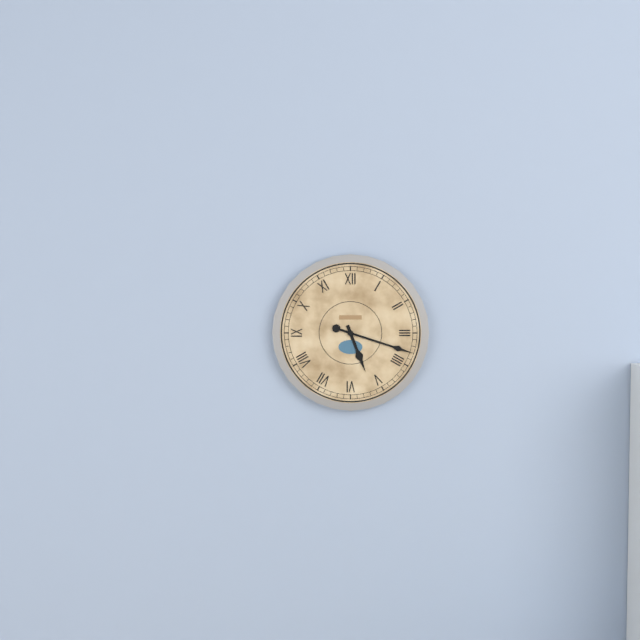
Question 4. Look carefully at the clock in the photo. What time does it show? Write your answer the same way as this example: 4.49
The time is 5.18
